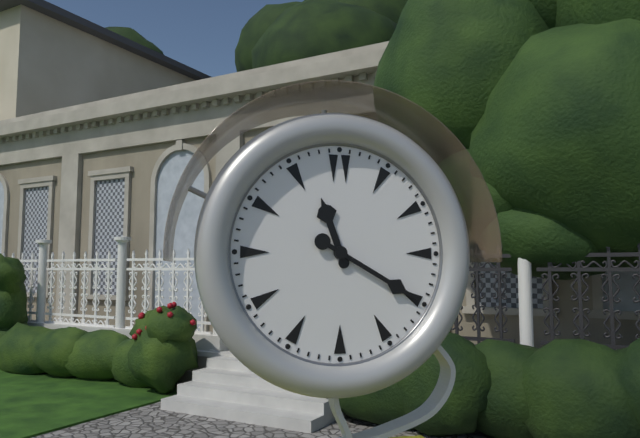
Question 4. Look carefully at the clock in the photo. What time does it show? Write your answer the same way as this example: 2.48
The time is 11.20
